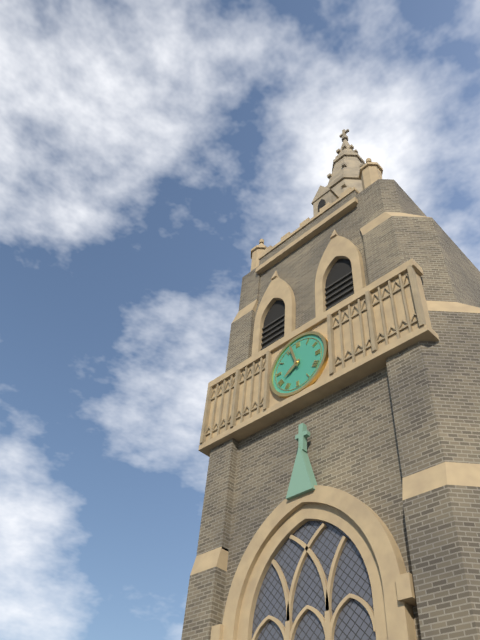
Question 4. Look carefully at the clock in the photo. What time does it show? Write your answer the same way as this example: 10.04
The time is 7.57
